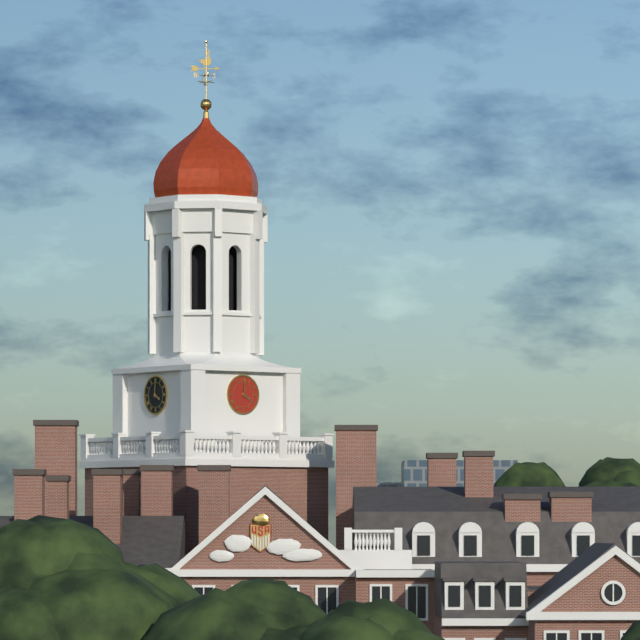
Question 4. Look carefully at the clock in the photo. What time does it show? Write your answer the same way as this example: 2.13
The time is 4.01
